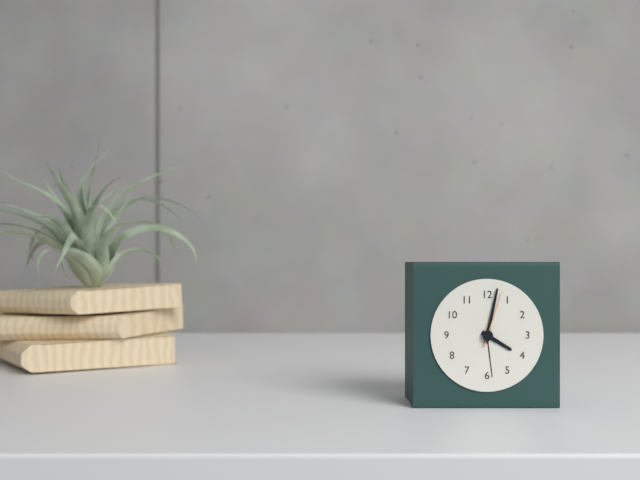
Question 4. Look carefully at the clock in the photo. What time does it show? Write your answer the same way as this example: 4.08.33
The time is 4.02.03
